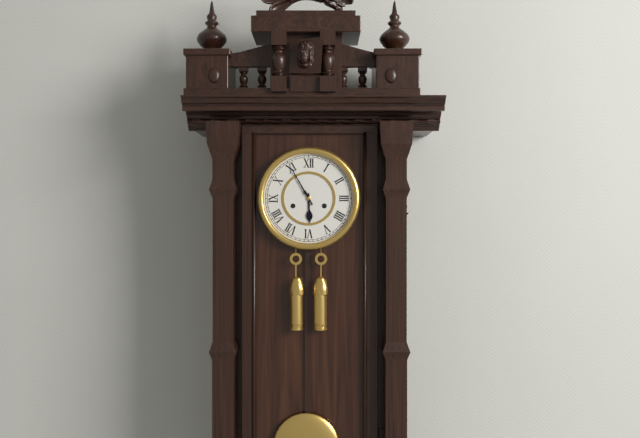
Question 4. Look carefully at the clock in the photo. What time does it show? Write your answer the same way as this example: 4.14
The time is 5.55
